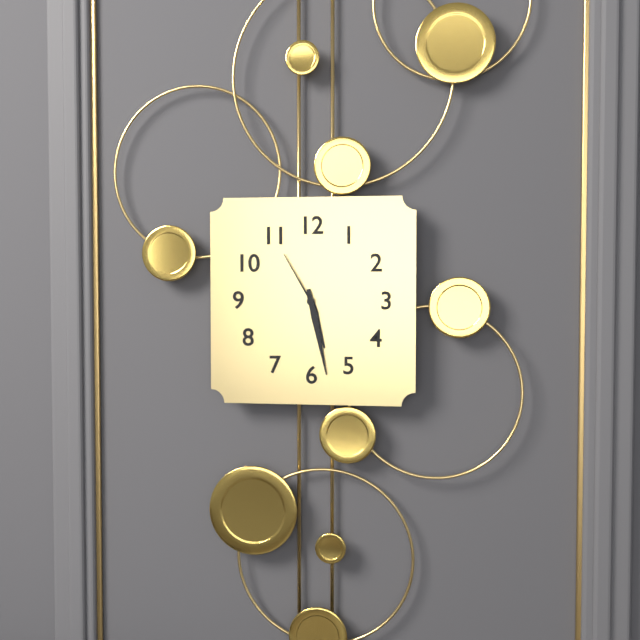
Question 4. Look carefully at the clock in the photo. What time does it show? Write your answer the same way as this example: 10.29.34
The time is 5.28.55
